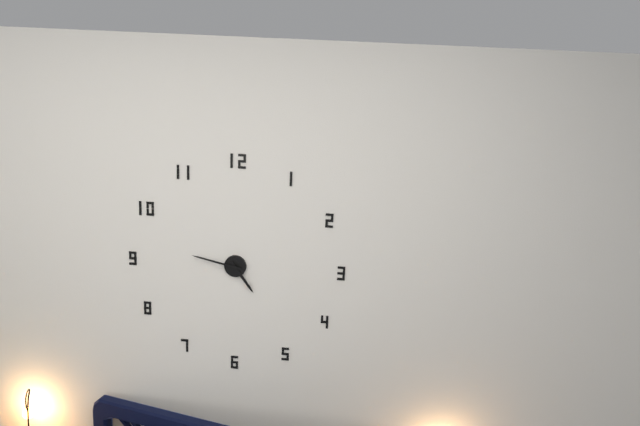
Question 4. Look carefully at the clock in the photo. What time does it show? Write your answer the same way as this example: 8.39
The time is 4.47
